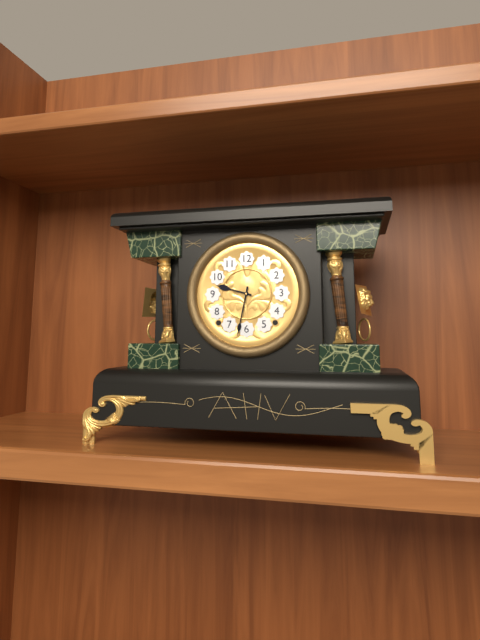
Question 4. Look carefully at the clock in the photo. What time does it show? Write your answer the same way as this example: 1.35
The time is 9.32
